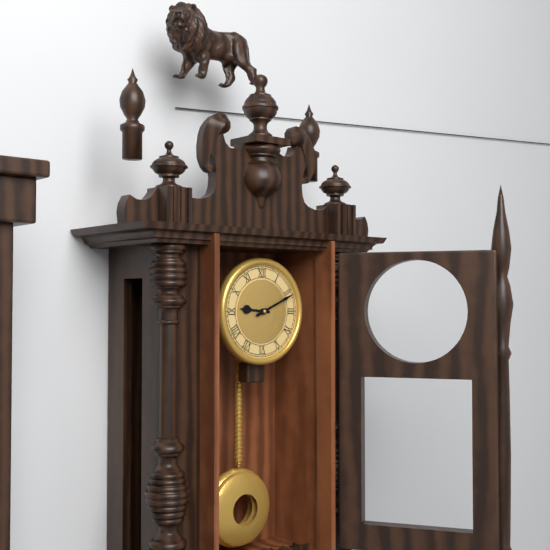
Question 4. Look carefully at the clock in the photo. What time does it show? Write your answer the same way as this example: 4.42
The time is 9.11
